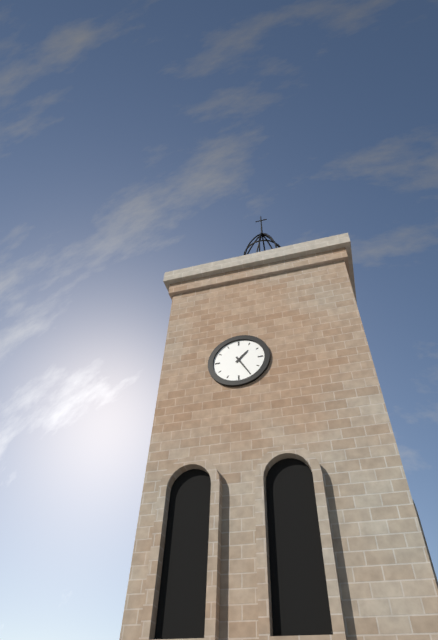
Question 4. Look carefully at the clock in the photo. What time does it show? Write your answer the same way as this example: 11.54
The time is 1.25
